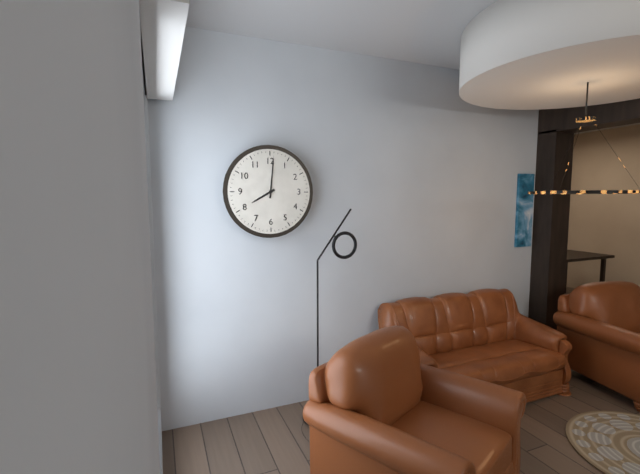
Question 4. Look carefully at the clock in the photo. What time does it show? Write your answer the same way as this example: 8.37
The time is 8.01
